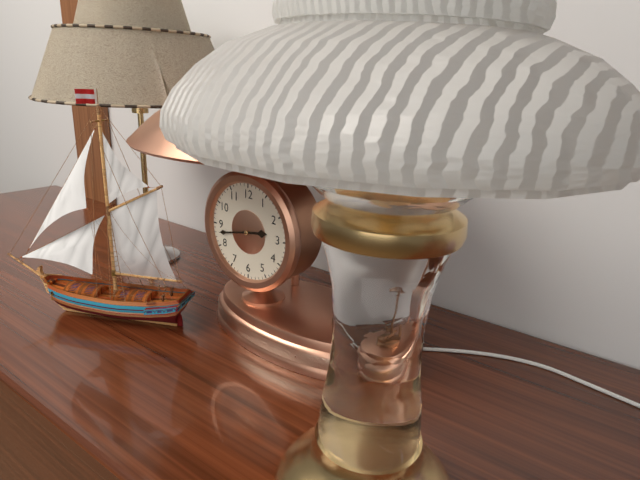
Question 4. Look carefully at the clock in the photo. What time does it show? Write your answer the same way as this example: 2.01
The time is 2.43
